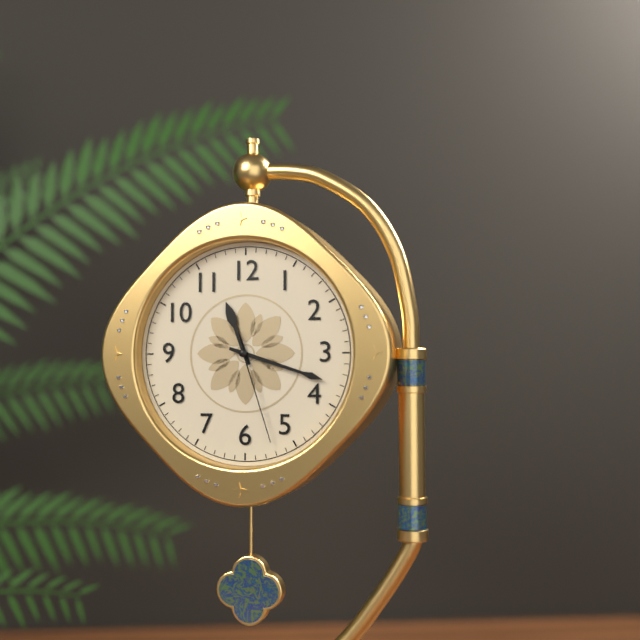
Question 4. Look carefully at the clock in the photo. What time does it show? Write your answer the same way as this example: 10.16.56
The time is 11.18.27
